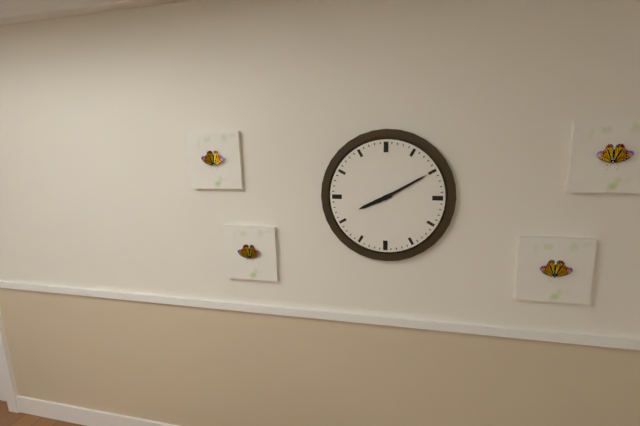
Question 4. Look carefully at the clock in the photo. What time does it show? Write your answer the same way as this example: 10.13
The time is 8.10
